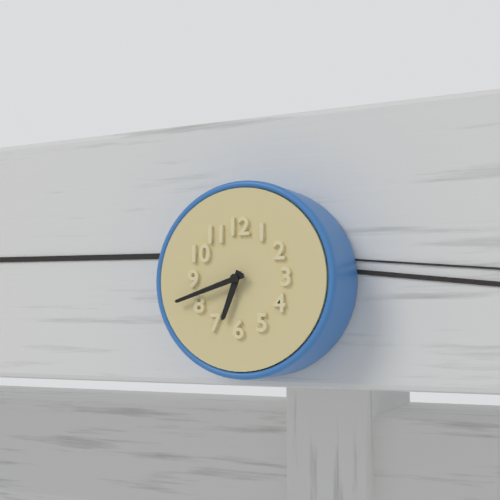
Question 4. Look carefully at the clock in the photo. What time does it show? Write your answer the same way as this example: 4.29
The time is 6.42
